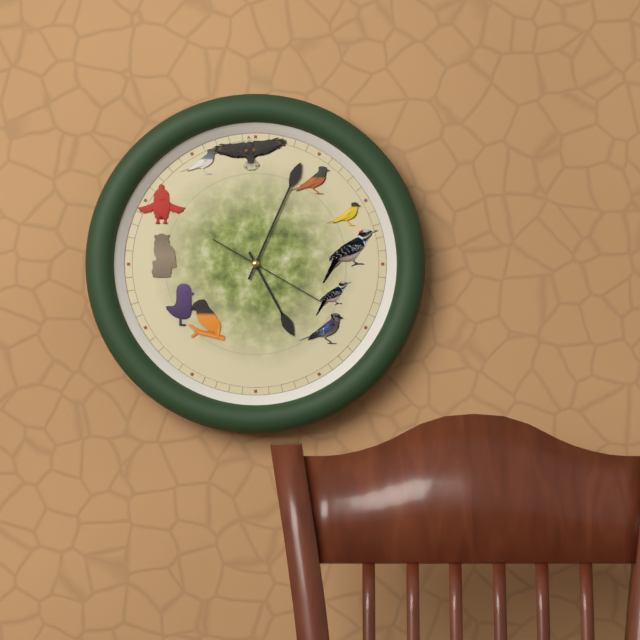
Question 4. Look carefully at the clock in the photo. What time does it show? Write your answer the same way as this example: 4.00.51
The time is 5.04.20
